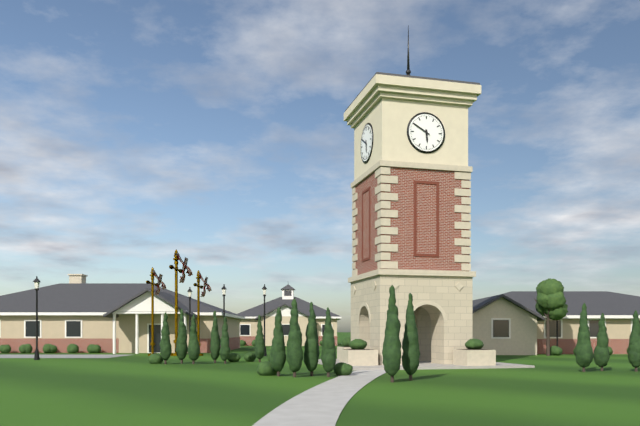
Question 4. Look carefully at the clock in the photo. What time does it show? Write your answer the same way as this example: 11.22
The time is 5.50
